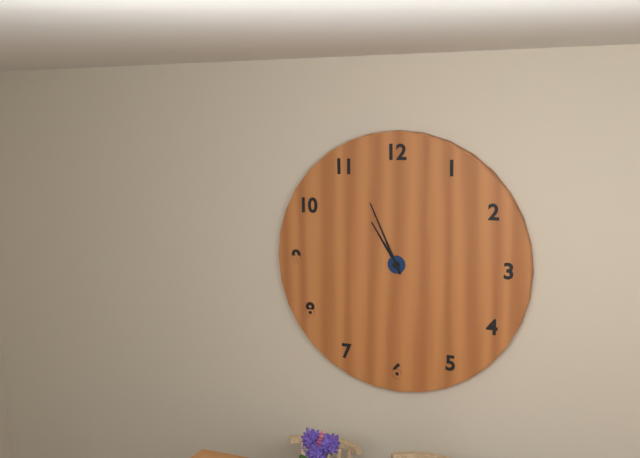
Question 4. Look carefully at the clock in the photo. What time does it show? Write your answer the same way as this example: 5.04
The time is 10.56
